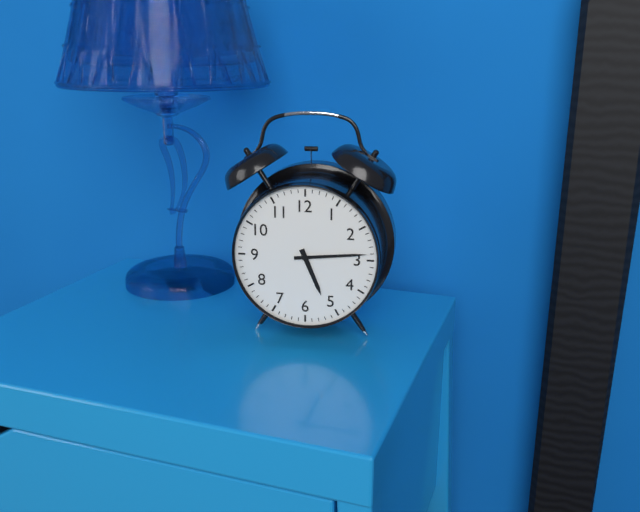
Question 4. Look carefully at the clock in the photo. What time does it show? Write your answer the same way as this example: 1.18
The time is 5.14
